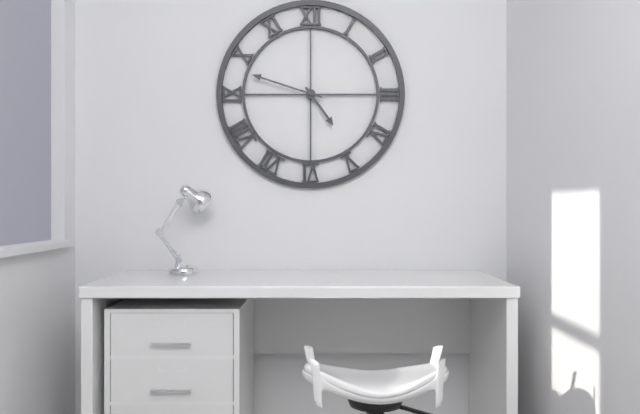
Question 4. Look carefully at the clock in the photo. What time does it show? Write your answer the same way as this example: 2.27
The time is 4.48
